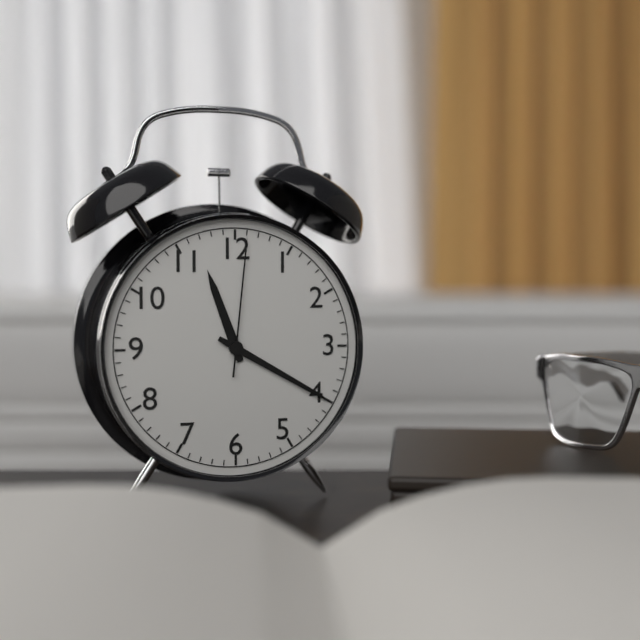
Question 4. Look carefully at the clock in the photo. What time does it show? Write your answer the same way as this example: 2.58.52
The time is 11.20.01
